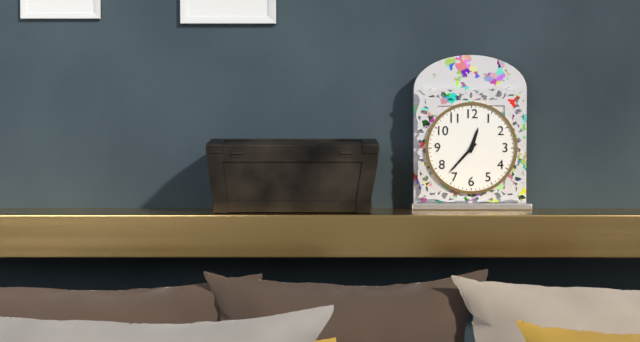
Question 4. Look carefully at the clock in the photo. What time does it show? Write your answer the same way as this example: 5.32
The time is 12.37
